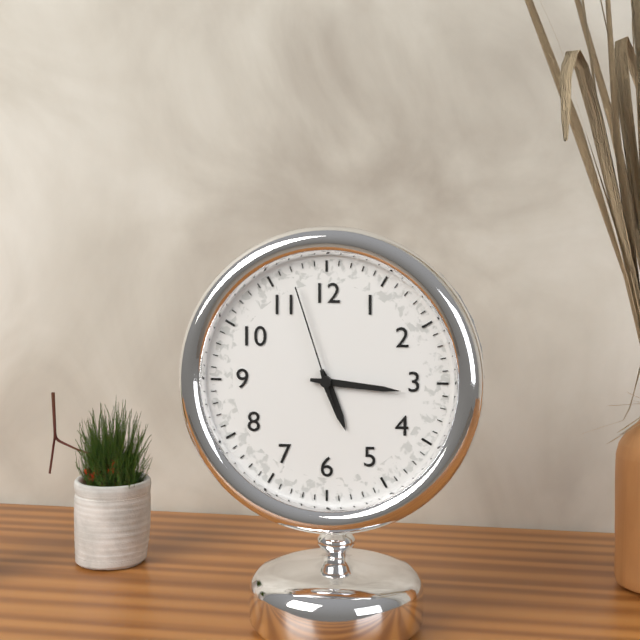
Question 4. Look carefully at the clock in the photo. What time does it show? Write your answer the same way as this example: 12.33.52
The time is 5.16.57
